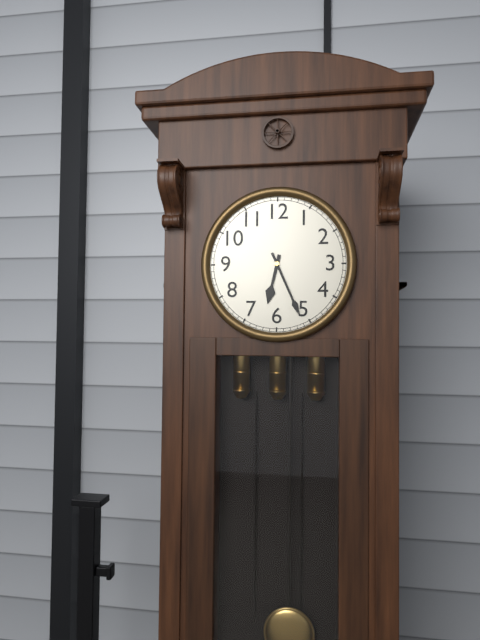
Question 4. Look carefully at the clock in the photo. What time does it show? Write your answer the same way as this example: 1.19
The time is 6.26
